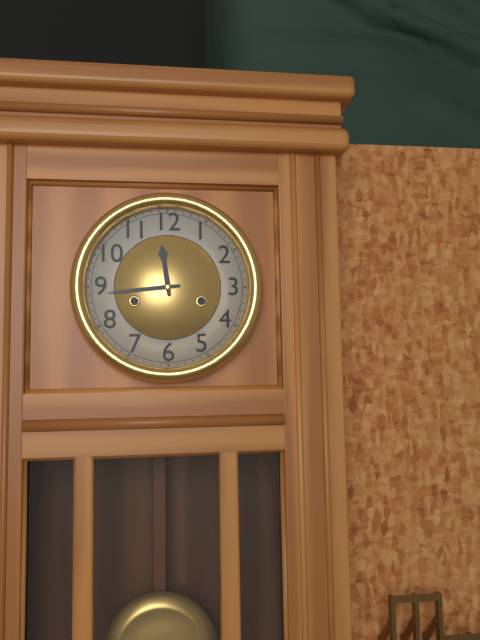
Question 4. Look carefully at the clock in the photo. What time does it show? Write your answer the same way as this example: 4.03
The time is 11.44
